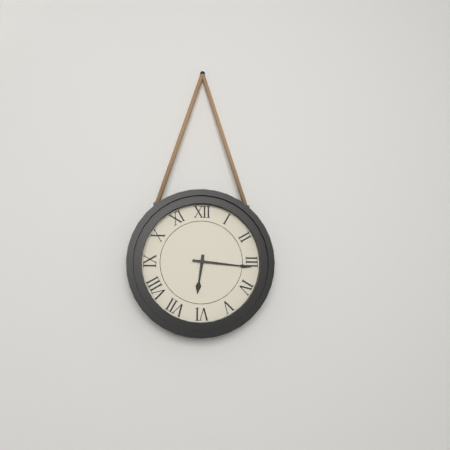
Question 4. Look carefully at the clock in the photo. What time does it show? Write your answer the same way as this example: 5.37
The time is 6.16
